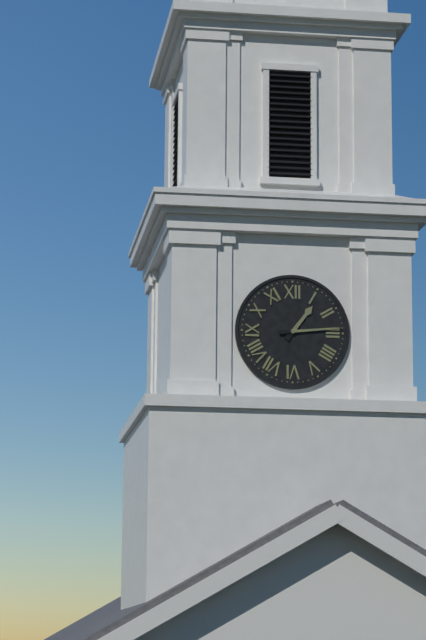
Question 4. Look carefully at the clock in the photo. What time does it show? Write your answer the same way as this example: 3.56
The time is 1.14
